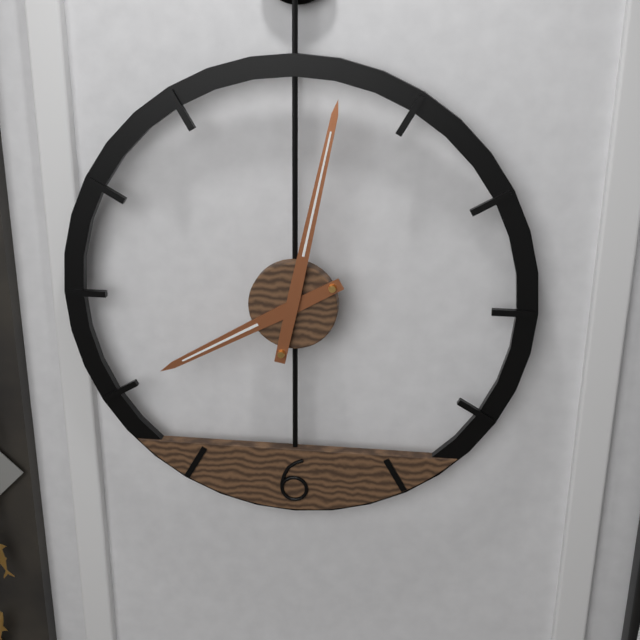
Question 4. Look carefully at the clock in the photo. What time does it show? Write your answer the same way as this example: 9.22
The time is 8.02
